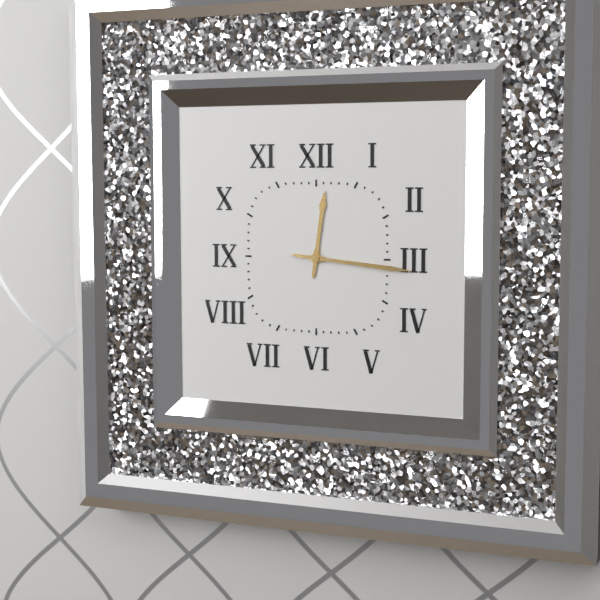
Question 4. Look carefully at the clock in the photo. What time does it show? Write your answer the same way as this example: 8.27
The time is 12.16
